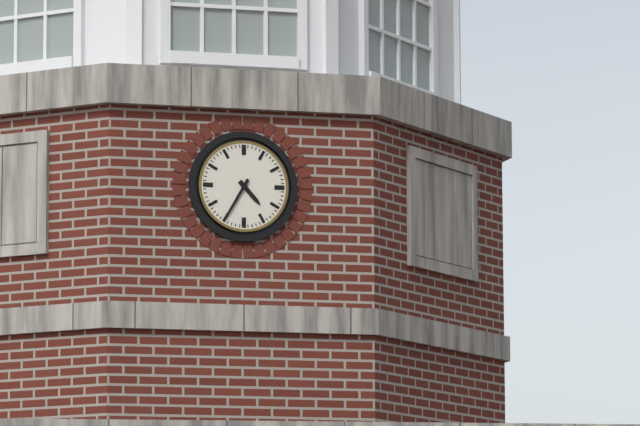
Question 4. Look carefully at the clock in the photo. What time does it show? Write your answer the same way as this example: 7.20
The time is 4.35
